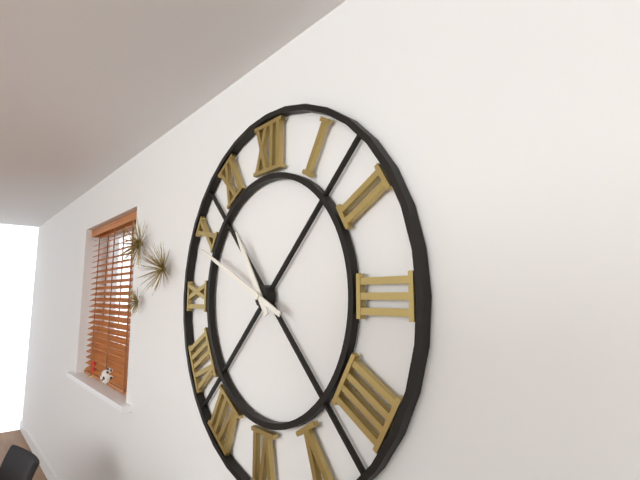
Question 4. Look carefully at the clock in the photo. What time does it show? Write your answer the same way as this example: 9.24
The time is 10.49
